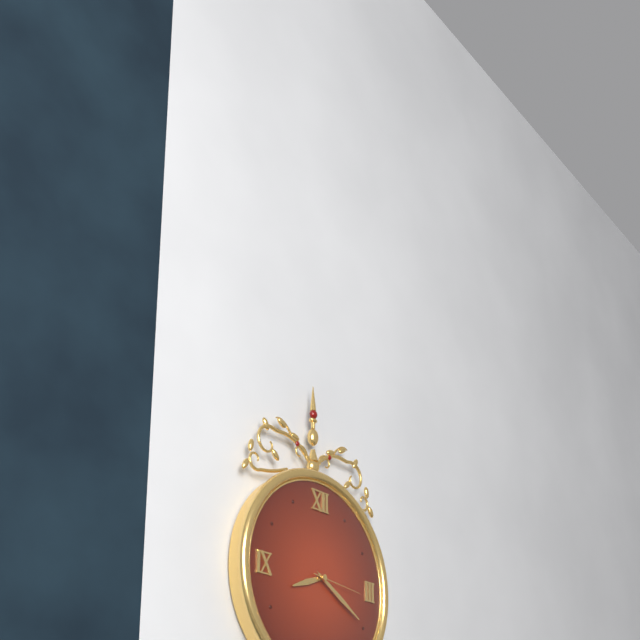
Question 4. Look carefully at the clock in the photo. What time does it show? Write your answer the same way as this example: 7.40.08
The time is 8.20.16
